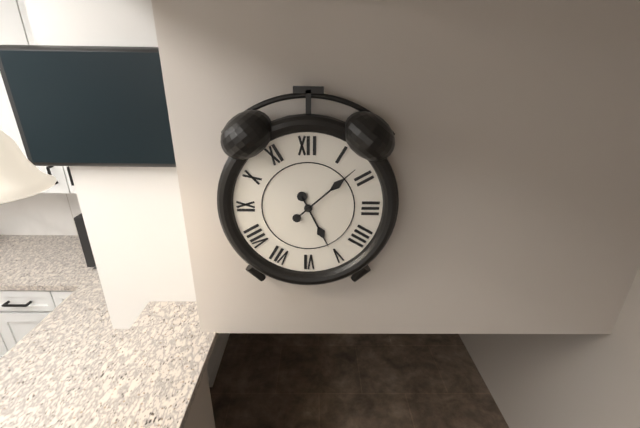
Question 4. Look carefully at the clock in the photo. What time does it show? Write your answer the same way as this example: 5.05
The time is 5.08
